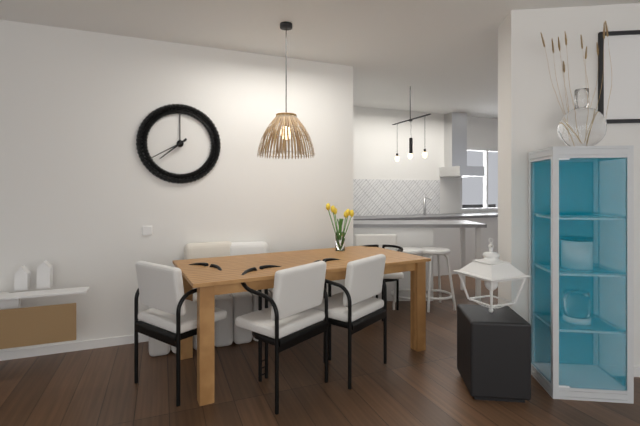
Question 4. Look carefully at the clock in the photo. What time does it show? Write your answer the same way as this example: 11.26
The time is 7.40
